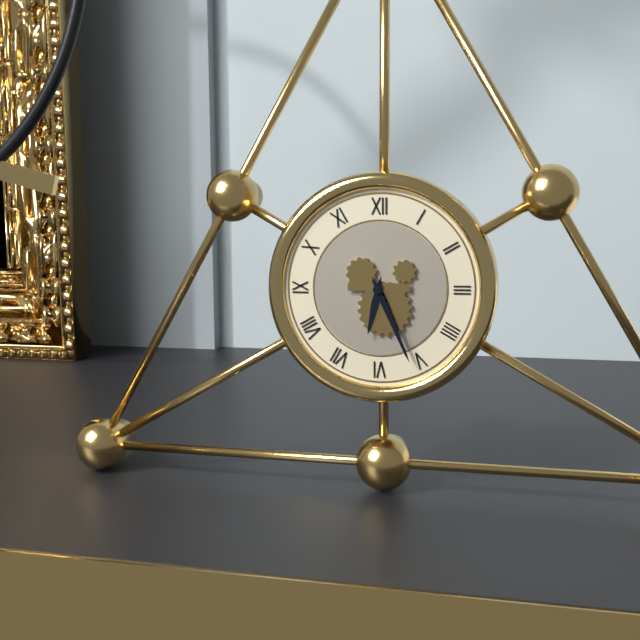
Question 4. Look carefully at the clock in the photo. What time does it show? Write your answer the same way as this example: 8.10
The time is 6.26
